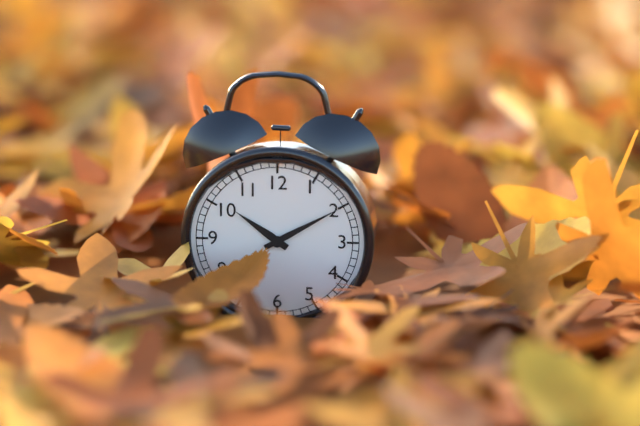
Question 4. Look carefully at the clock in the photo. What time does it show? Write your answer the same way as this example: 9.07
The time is 10.10
